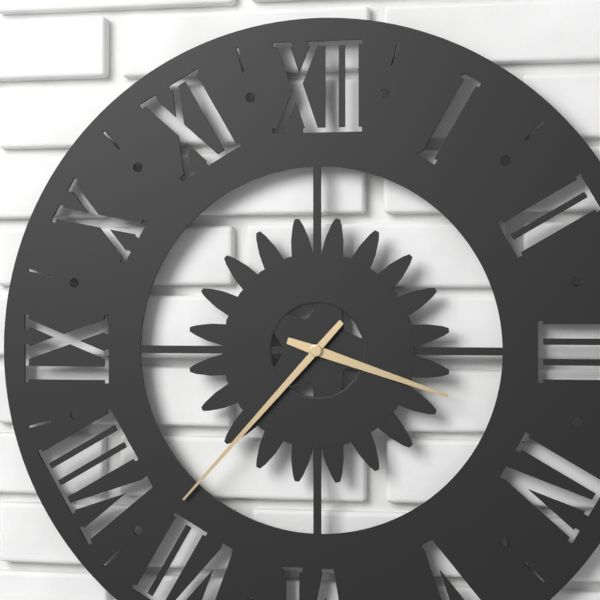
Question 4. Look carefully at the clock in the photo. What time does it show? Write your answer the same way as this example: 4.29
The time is 3.37
